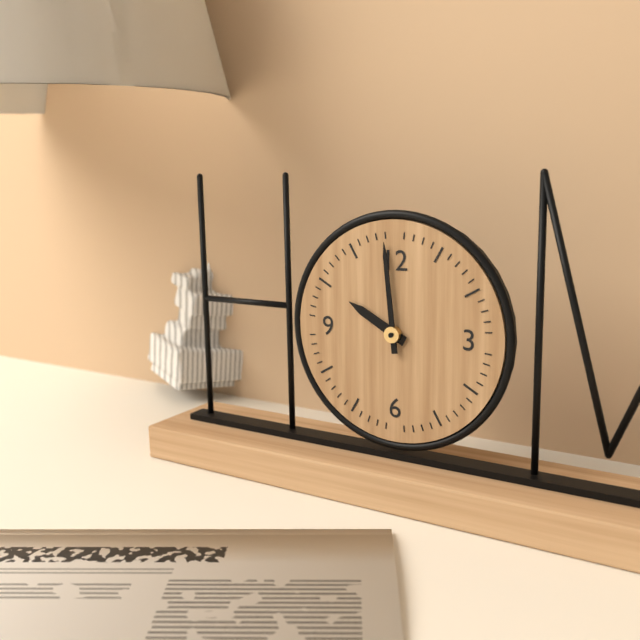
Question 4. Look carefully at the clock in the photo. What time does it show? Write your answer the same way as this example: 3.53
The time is 9.59
